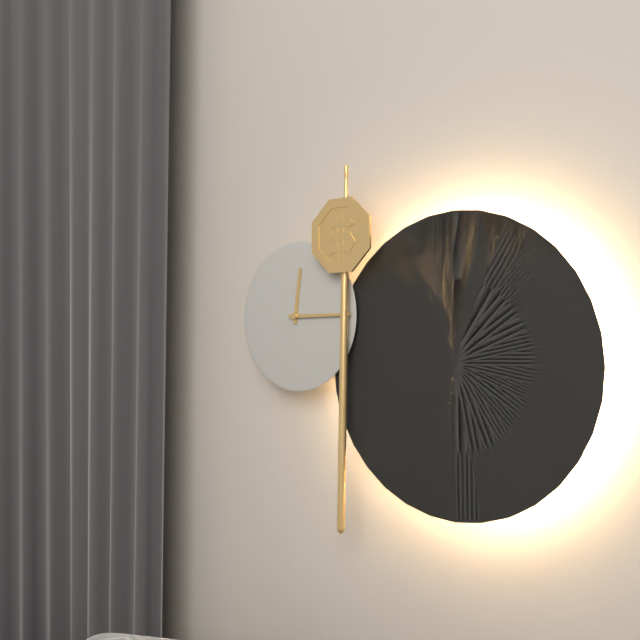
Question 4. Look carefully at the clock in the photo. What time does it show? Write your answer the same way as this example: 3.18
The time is 12.15
